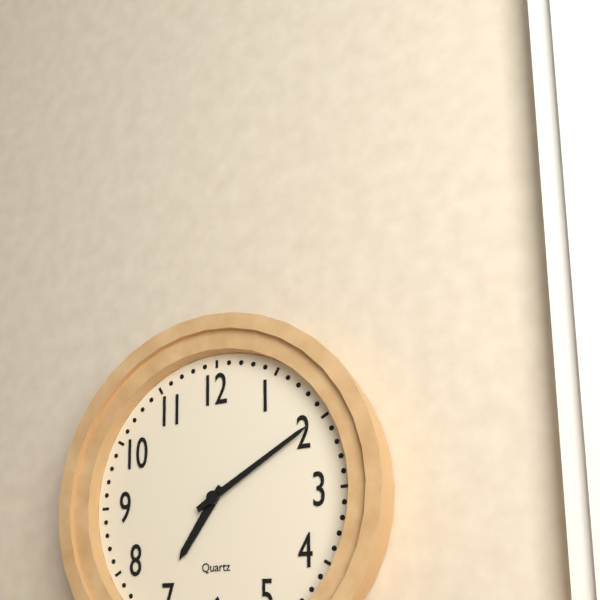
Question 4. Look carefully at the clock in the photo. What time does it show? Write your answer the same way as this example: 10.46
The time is 7.10
